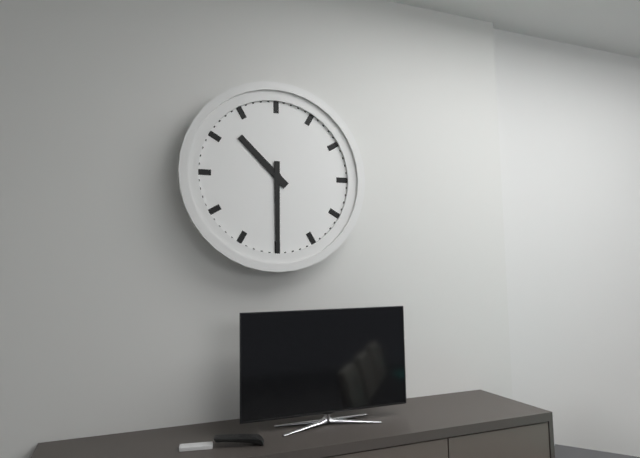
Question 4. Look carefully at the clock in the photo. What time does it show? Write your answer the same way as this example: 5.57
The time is 10.30
